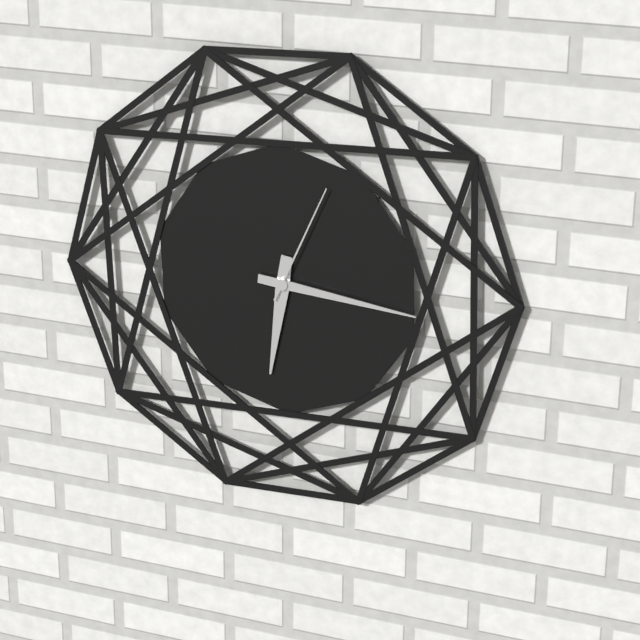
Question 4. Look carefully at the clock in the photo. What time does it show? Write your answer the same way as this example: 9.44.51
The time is 6.16.04
